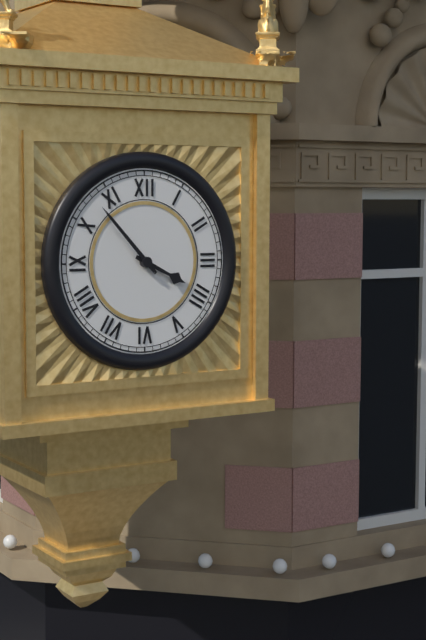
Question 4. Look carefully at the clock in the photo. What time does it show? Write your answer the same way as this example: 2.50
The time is 3.53
